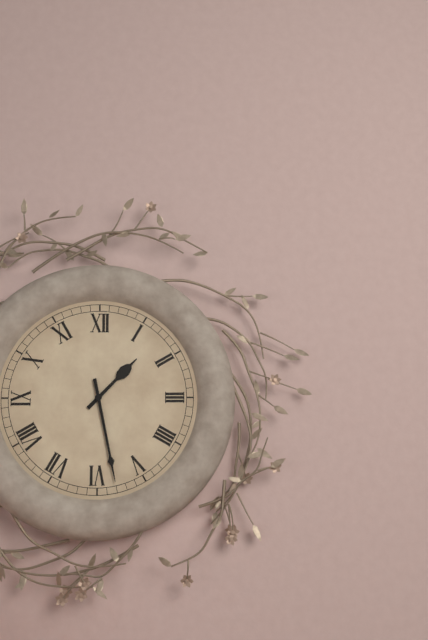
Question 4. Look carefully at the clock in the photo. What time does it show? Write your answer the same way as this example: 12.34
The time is 1.28
